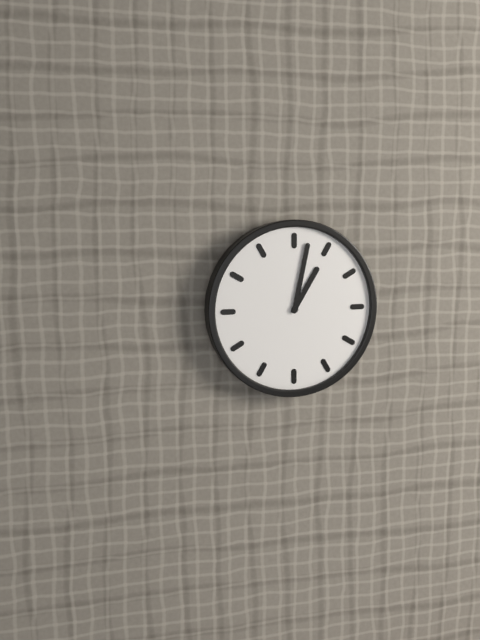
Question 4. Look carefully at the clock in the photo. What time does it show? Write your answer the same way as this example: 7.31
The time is 1.02
